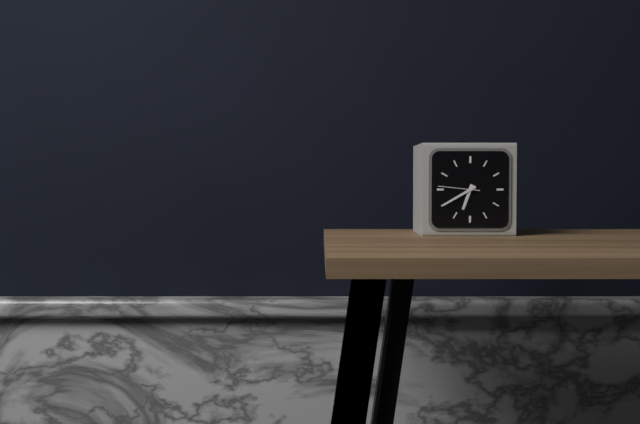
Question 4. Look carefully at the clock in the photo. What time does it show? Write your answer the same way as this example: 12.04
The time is 6.40
